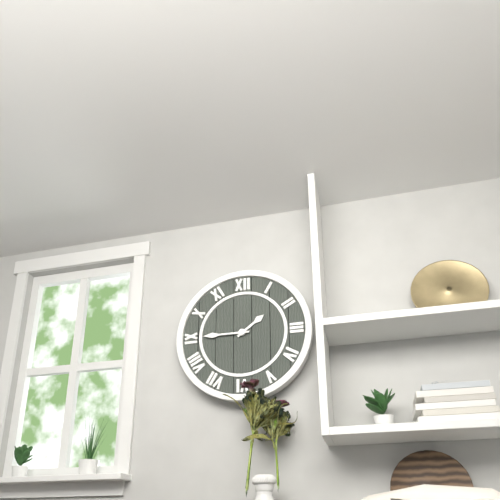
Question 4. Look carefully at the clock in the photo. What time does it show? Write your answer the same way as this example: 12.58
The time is 1.45
